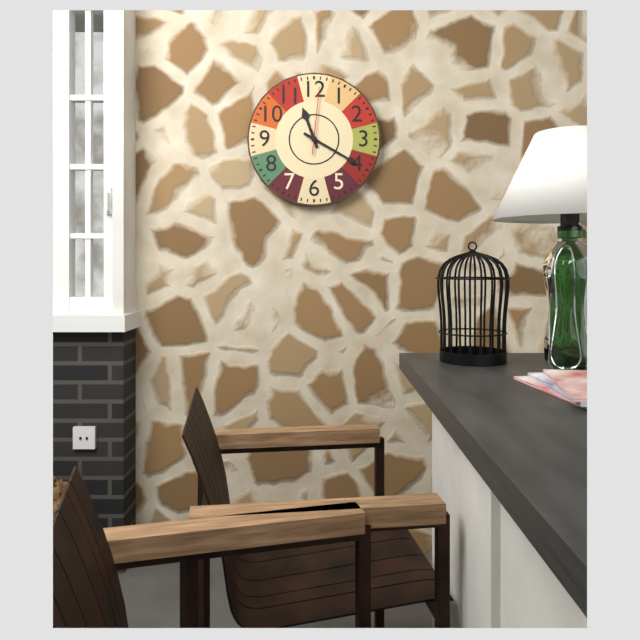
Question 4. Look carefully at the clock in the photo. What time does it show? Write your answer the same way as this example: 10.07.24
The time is 11.20.01
